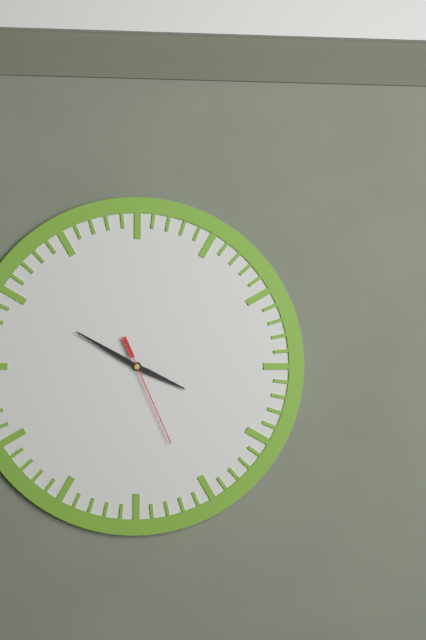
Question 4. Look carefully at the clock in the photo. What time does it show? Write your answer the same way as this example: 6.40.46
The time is 3.50.26
